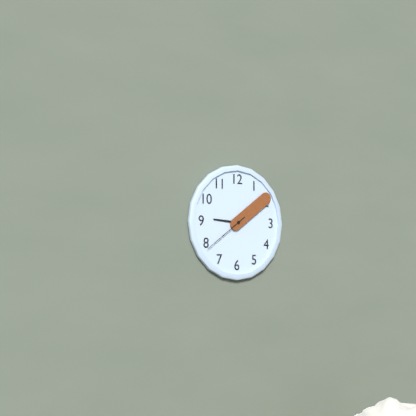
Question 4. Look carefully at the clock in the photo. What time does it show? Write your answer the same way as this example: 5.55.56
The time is 9.09.39
